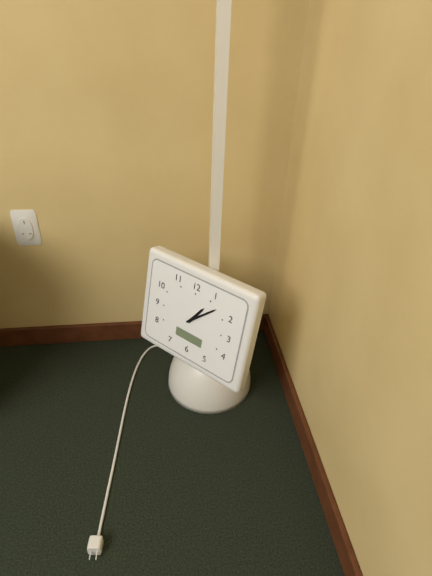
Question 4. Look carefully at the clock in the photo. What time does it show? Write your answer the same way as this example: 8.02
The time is 1.08
